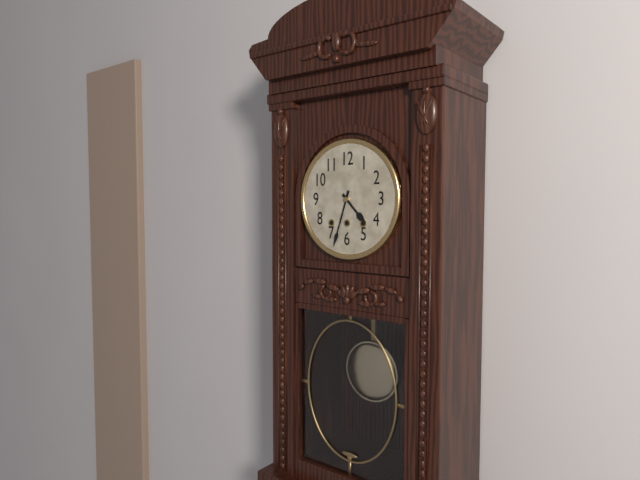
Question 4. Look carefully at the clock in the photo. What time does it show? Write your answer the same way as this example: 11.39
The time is 4.33
